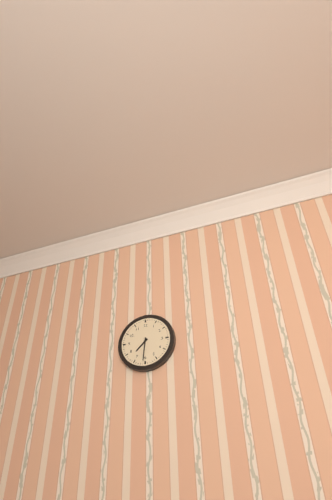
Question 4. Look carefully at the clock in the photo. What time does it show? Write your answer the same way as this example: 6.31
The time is 7.31
